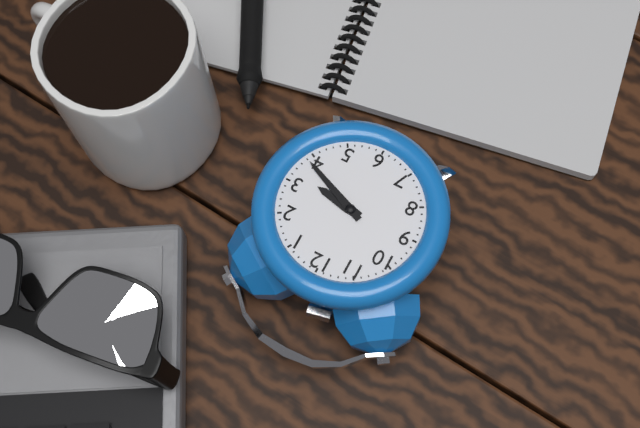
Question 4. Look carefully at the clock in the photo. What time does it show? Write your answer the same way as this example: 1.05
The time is 3.19
